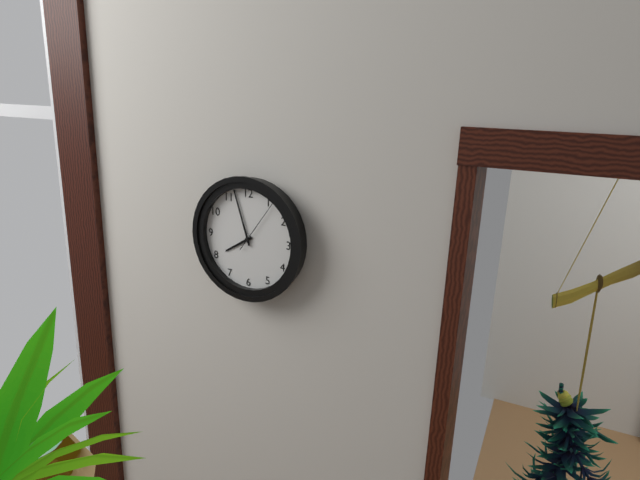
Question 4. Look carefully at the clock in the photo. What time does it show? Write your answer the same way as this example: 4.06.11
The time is 7.57.06
